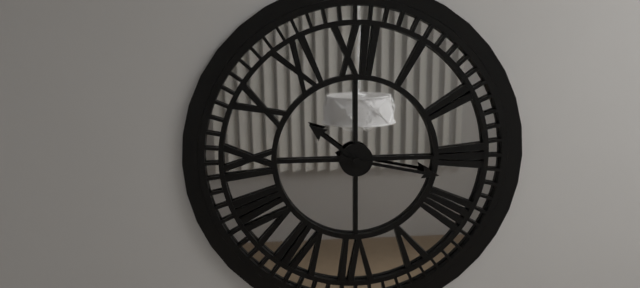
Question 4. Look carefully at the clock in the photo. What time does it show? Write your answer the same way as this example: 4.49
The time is 10.17
